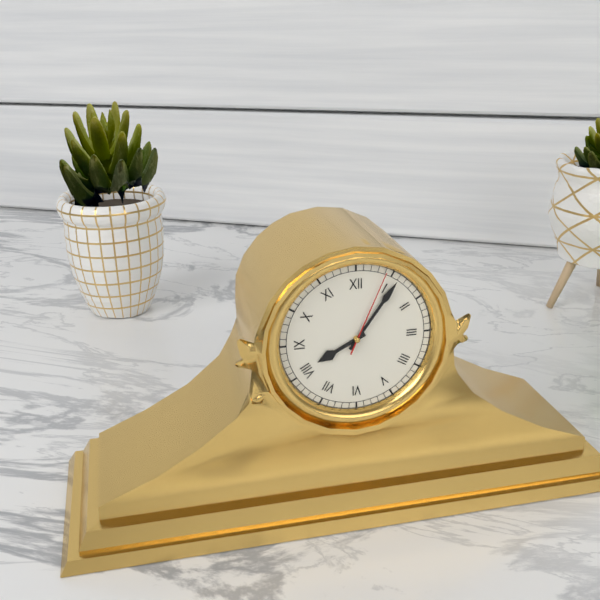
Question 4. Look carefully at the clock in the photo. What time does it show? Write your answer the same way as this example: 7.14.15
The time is 8.06.04
